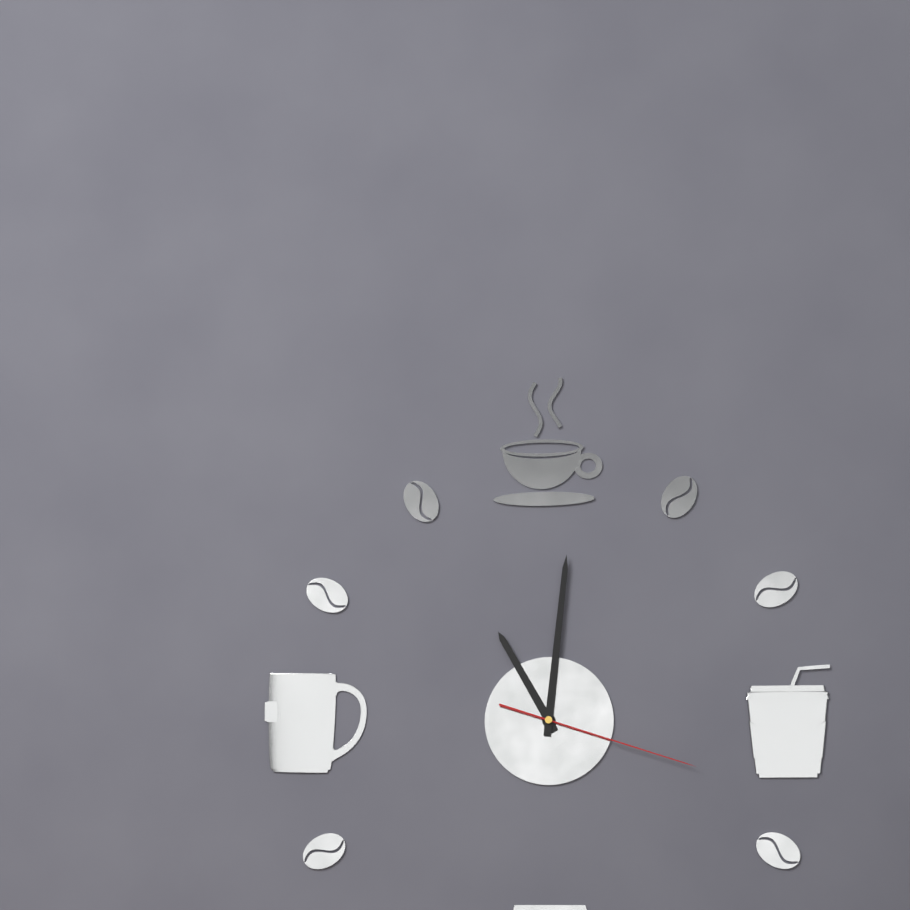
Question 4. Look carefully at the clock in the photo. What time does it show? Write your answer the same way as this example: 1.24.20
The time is 11.01.18
